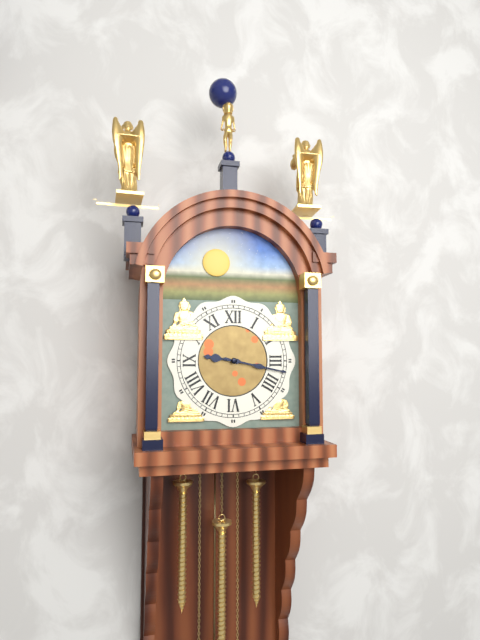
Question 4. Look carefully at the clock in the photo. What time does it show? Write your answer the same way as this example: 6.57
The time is 9.17
